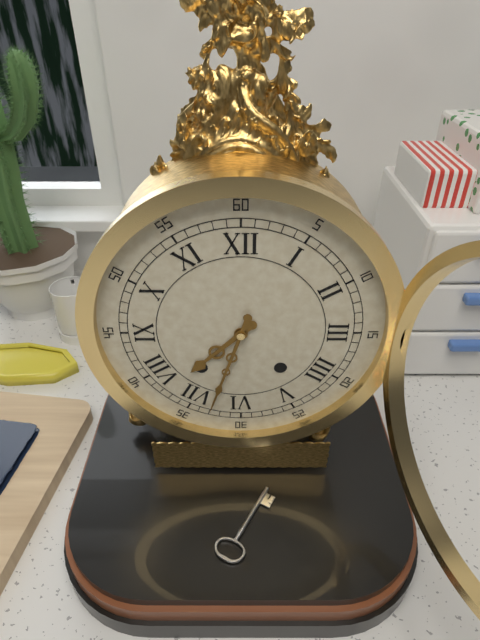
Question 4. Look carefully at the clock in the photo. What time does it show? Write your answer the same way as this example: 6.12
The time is 7.33
